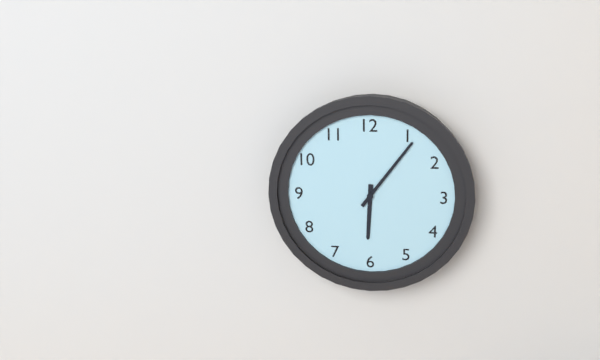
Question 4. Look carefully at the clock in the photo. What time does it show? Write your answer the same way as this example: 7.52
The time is 6.06
